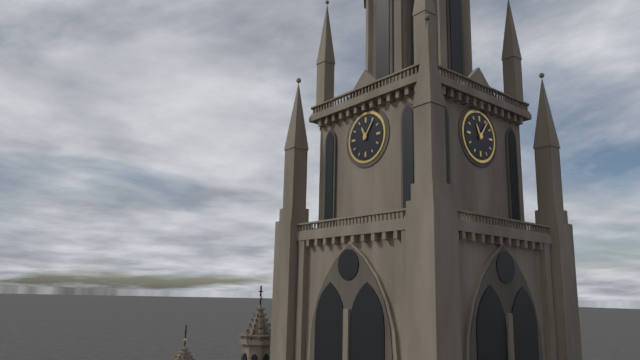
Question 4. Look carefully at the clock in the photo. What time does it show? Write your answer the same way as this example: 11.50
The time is 11.06
